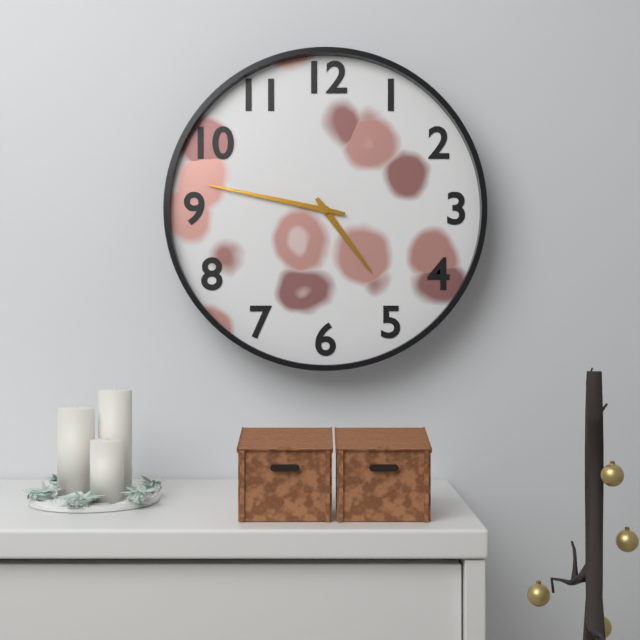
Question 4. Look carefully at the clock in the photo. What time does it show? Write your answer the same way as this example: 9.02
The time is 4.47
